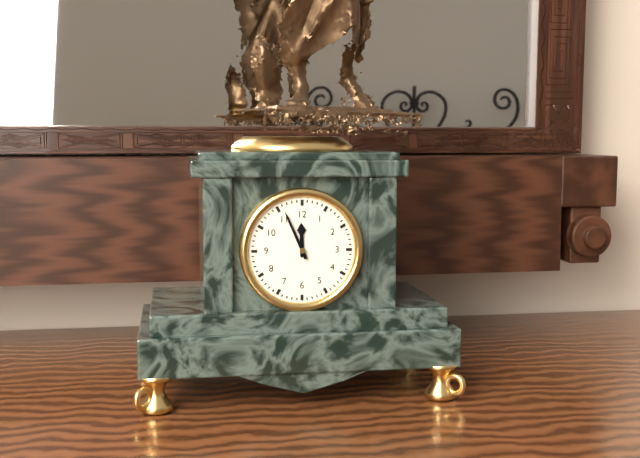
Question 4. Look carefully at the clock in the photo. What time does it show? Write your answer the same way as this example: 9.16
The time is 11.56
